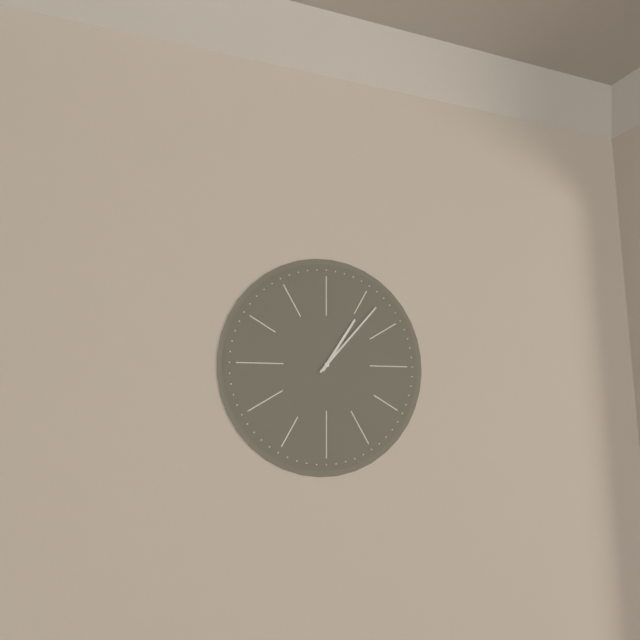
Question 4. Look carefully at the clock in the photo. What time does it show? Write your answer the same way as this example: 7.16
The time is 1.07
